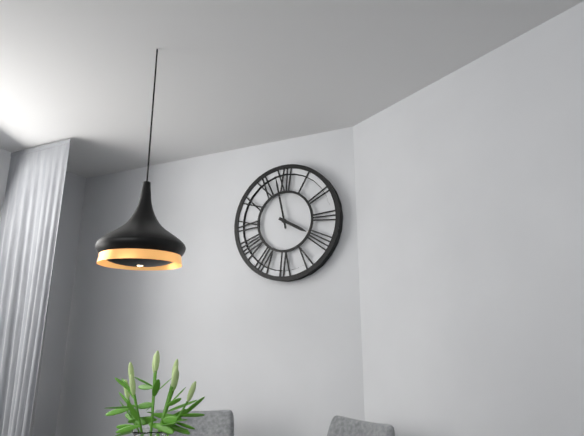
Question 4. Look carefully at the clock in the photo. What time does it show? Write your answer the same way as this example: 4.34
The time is 3.58
